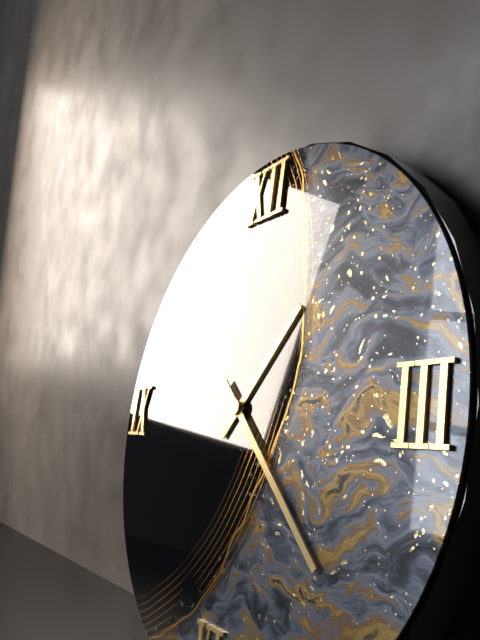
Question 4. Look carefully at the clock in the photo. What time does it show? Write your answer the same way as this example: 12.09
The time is 1.22
